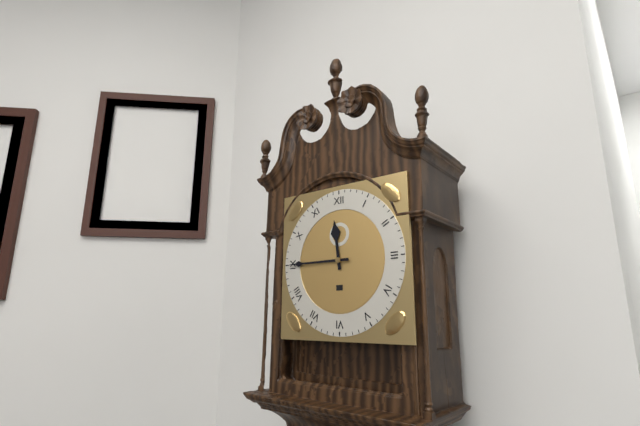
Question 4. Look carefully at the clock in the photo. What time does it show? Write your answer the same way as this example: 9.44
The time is 11.45
